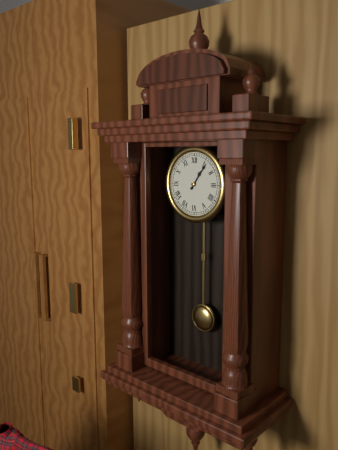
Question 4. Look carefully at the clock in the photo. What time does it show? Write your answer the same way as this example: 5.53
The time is 1.06
